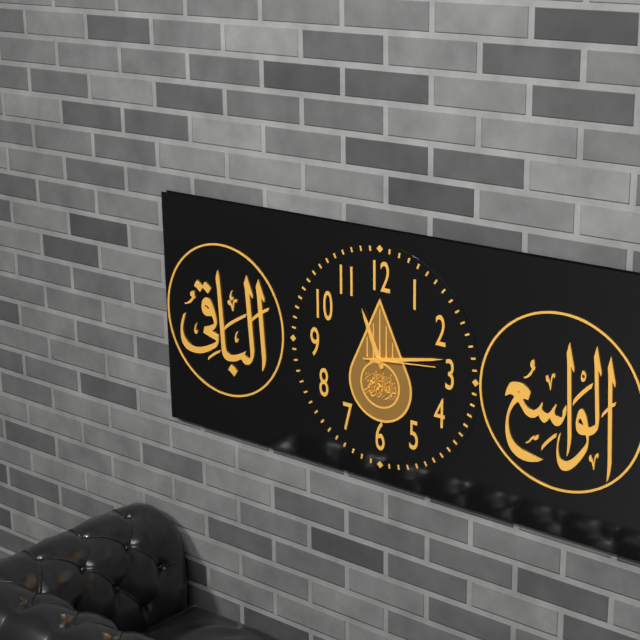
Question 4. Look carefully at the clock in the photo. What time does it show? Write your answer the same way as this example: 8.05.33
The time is 11.13.14
